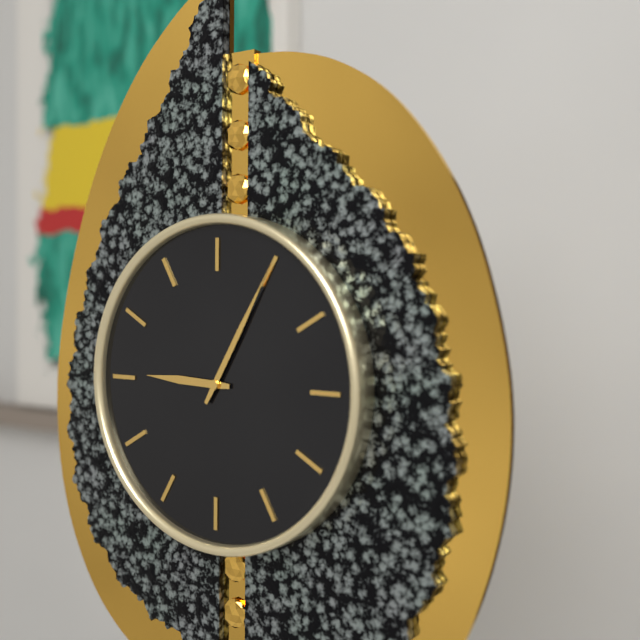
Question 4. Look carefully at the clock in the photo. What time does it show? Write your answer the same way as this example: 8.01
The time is 9.05
